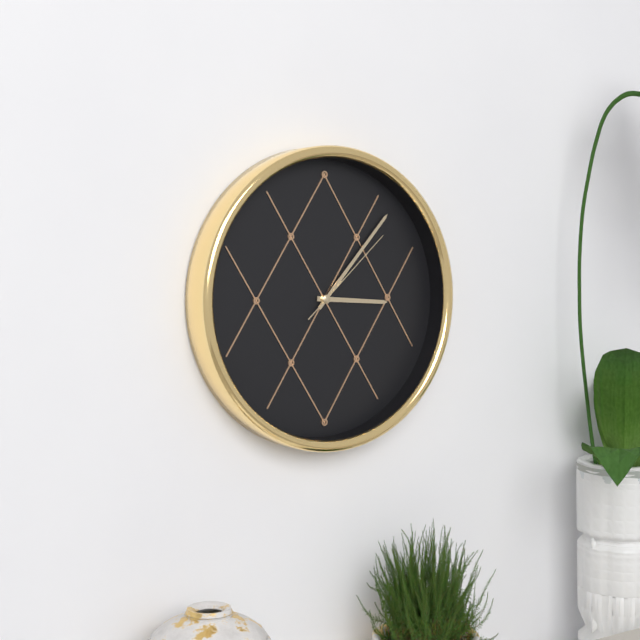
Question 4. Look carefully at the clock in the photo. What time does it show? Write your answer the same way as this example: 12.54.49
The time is 3.07.08
